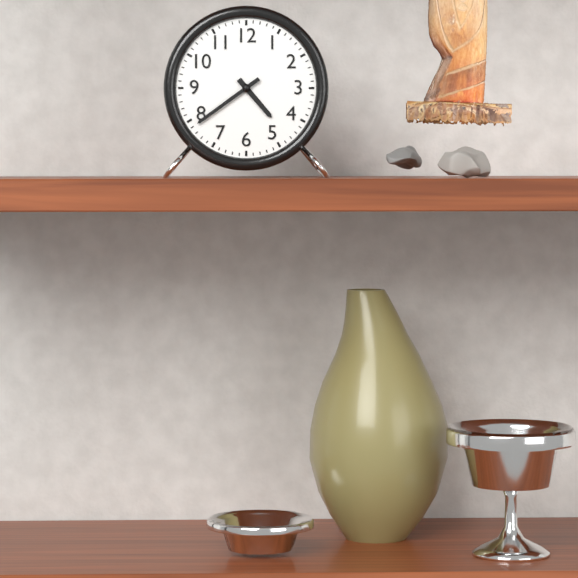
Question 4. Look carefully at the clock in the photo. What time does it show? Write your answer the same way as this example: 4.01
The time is 4.39
